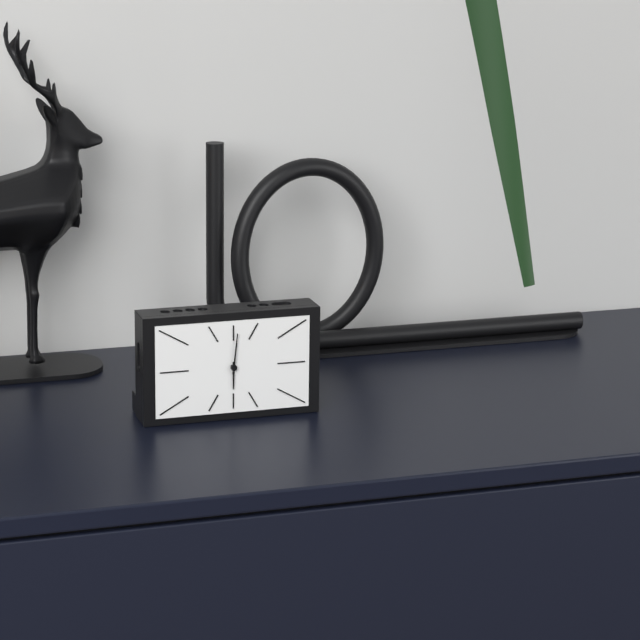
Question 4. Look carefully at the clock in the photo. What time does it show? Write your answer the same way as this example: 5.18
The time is 6.01
